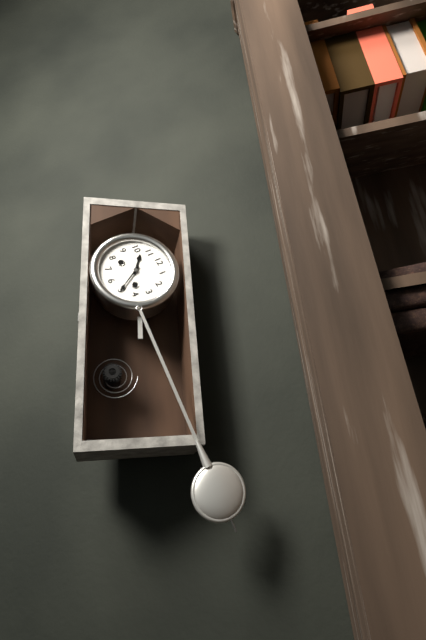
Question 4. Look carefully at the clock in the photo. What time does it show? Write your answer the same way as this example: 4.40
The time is 10.25
